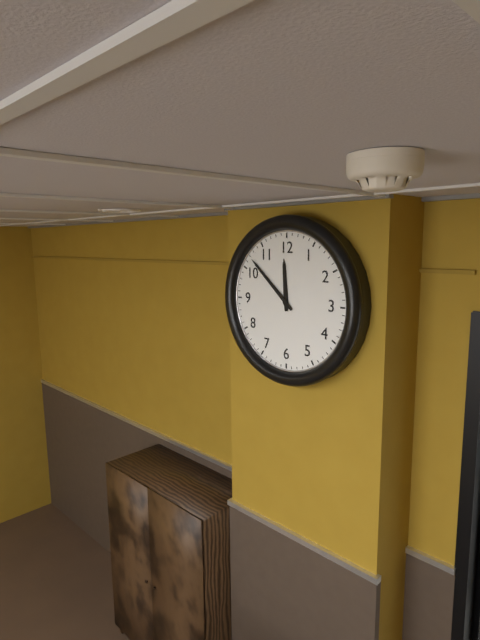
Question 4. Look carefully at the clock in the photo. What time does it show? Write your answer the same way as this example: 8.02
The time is 11.52
